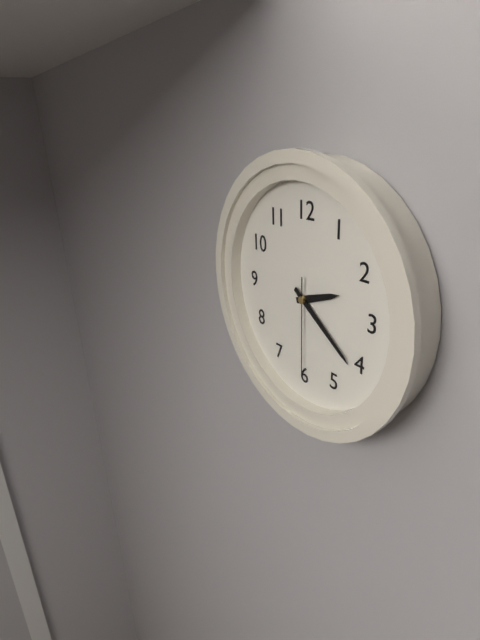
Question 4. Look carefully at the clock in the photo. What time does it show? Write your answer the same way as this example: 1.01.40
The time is 2.21.30
